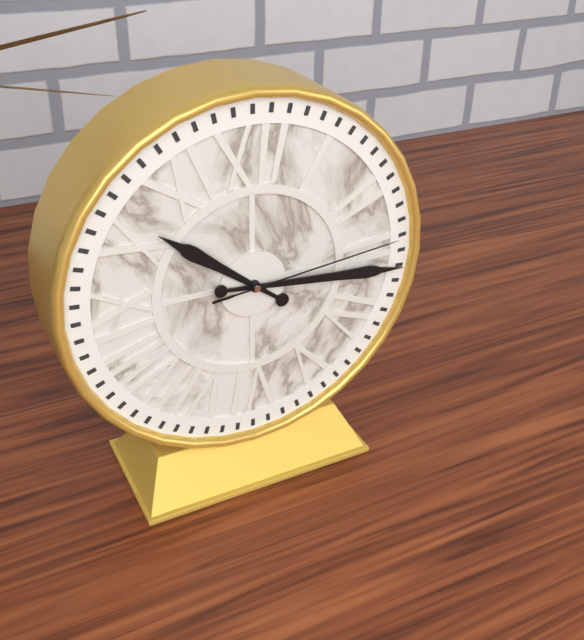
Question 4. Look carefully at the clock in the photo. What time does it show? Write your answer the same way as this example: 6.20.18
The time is 10.16.14
